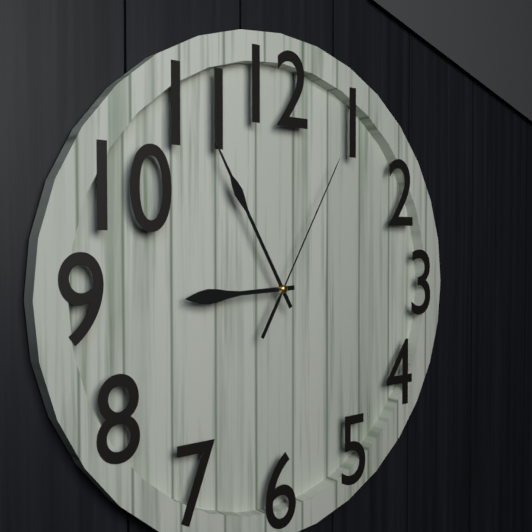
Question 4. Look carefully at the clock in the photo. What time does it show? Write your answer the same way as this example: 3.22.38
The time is 8.55.05
